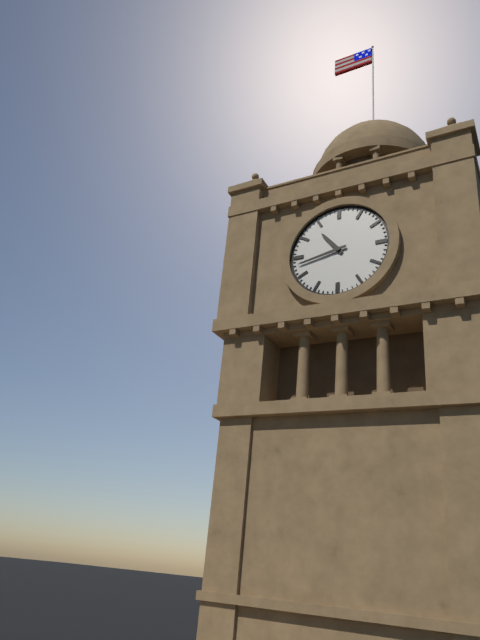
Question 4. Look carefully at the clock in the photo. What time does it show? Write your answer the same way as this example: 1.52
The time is 10.43
